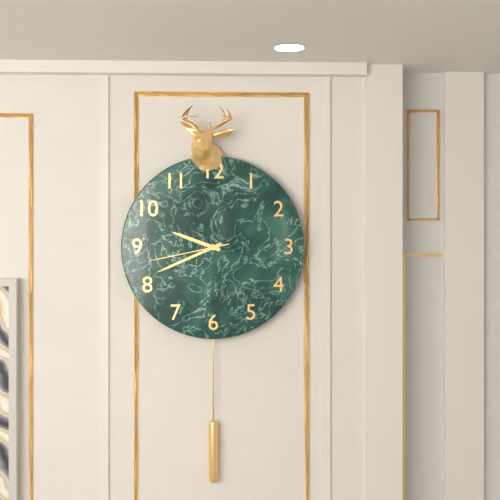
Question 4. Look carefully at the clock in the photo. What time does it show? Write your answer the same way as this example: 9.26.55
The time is 9.41.43
